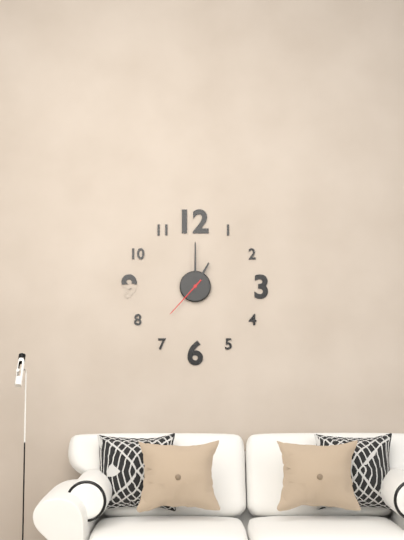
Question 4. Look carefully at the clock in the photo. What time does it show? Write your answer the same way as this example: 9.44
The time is 1.00
